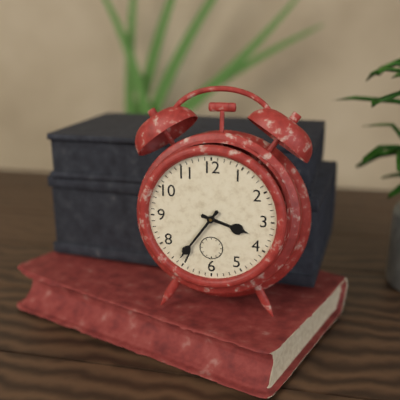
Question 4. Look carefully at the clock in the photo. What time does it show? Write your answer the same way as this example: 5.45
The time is 3.36
